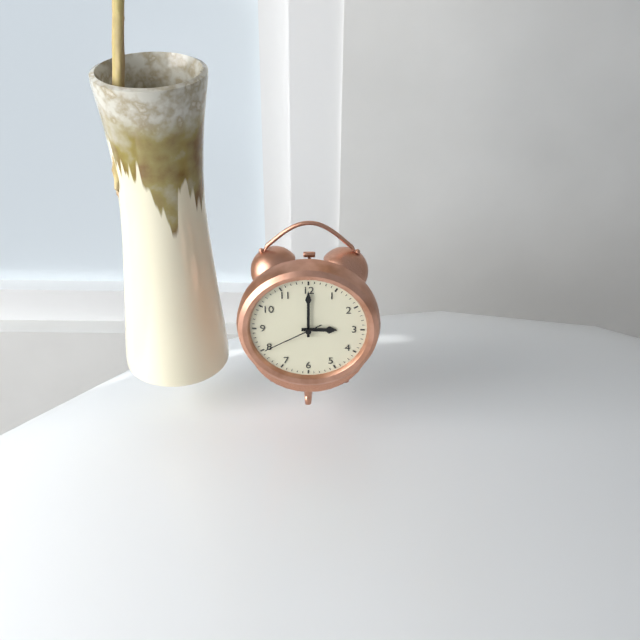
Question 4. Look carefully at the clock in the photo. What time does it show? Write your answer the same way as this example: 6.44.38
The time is 3.00.40
